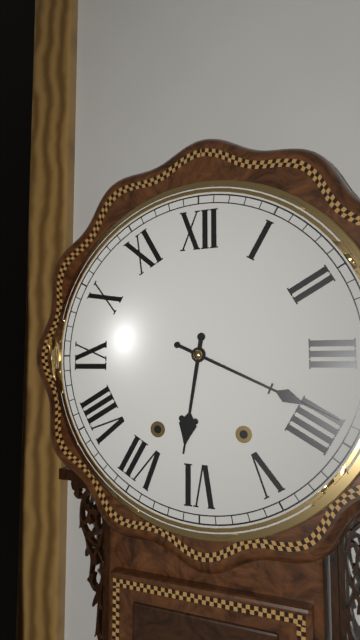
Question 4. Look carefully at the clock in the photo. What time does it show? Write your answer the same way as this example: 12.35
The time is 6.19
